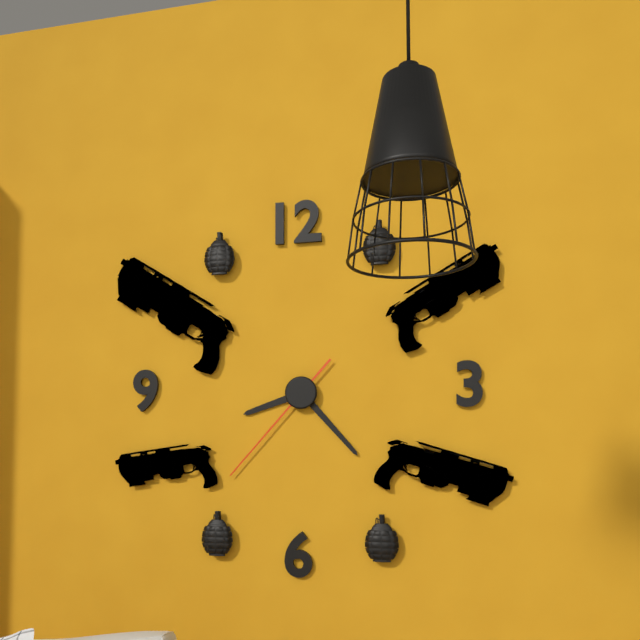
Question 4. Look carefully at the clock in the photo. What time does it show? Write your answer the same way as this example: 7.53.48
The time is 8.23.37
